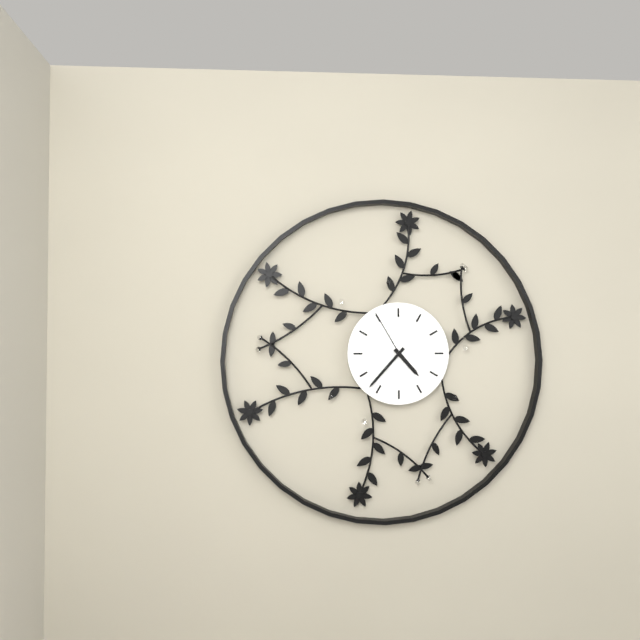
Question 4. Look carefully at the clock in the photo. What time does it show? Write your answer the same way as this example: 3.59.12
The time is 4.37.55
